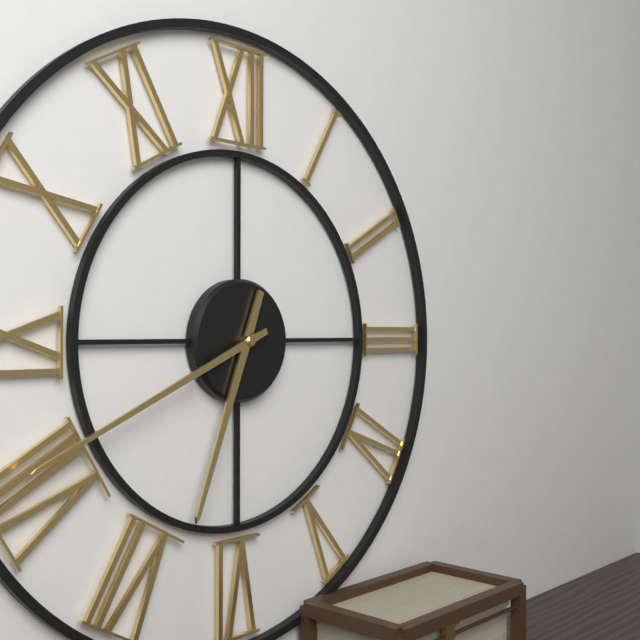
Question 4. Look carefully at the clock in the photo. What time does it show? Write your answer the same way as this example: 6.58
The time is 6.41
